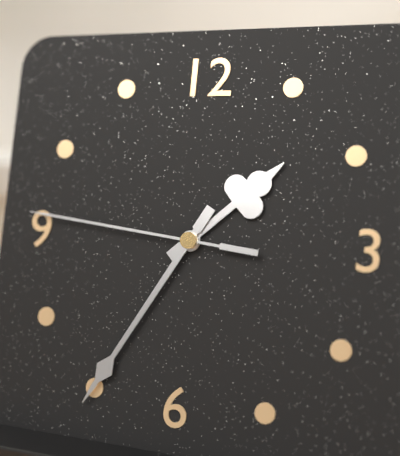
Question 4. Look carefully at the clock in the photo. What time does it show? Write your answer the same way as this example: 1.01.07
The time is 1.35.46
